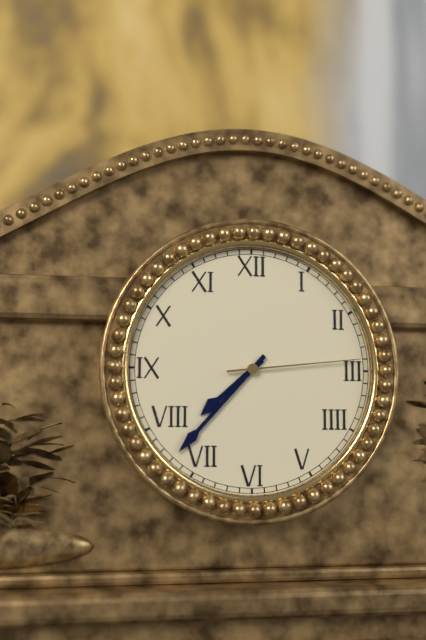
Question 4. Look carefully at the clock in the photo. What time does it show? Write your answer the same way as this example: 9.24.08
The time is 7.37.14
